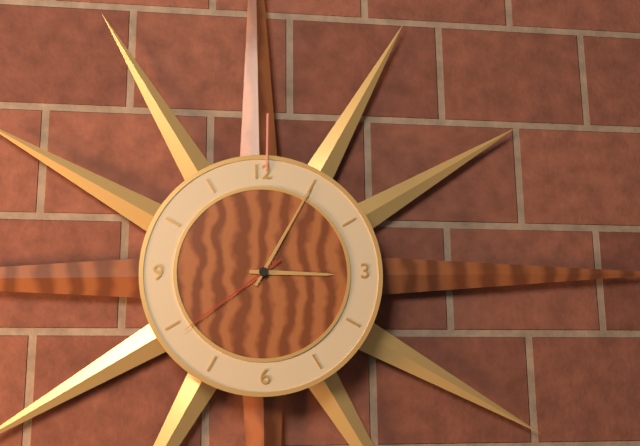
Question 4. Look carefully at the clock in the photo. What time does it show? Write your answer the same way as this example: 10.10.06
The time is 3.05.39
